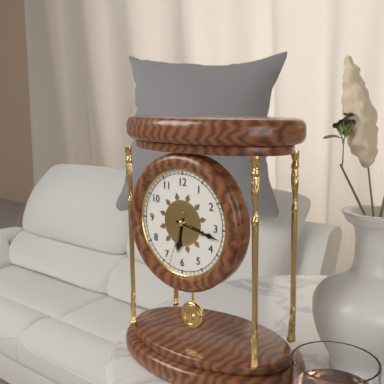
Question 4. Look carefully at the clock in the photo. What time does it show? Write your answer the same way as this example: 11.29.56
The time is 6.17.33
